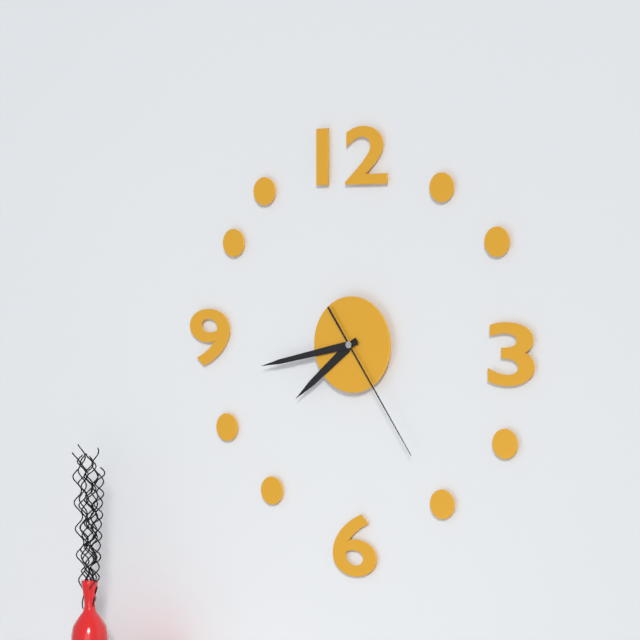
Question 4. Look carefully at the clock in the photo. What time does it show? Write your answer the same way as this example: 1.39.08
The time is 7.43.24
